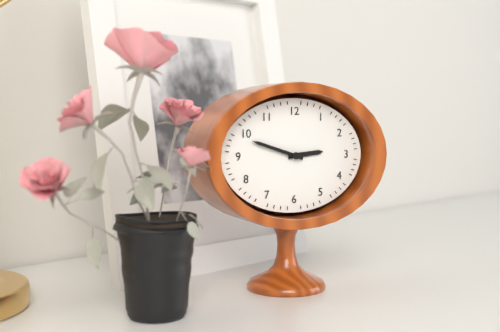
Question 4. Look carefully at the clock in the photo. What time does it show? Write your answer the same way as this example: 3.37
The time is 2.48
